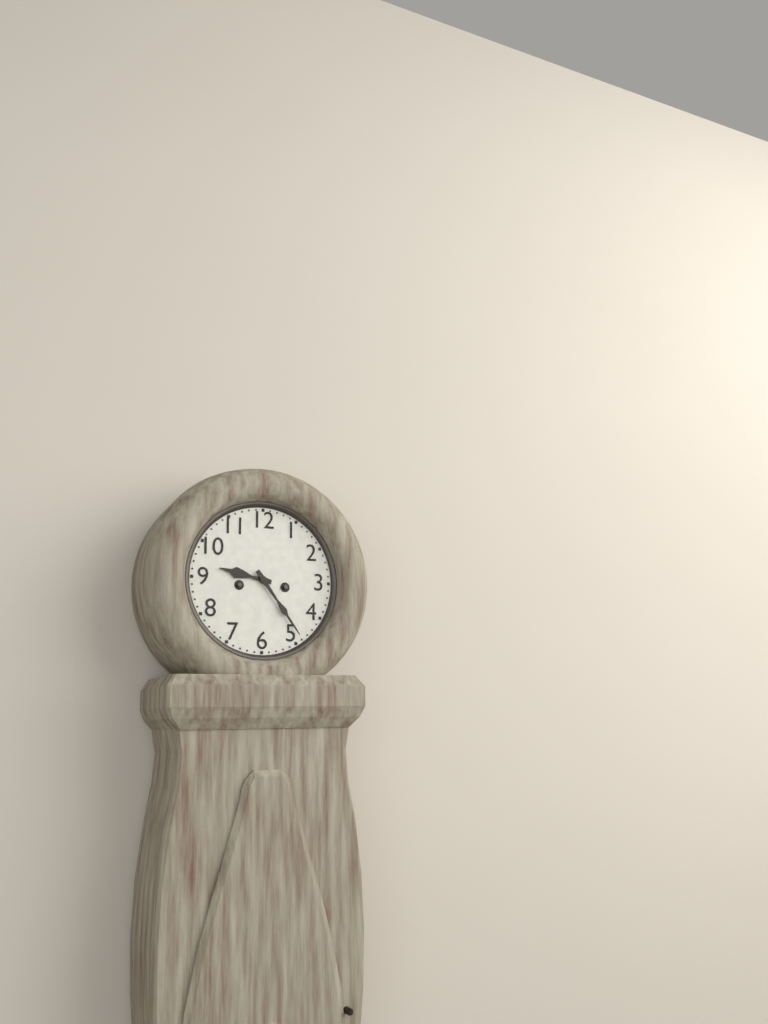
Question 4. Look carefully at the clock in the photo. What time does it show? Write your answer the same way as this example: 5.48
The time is 9.24
